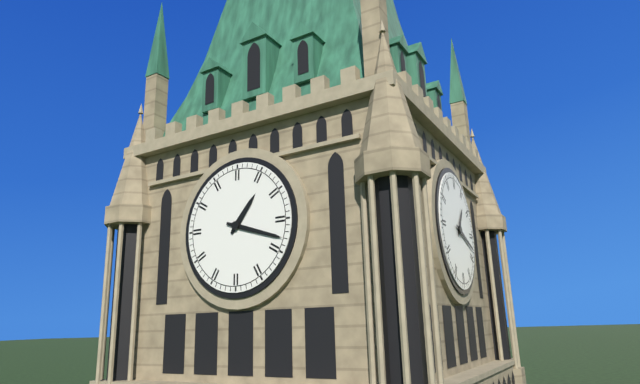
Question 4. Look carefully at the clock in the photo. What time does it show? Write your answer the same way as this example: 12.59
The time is 1.18
